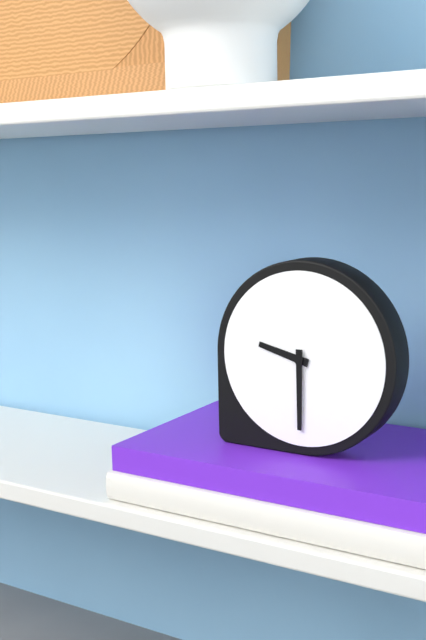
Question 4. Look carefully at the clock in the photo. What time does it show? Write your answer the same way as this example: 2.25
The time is 9.30
